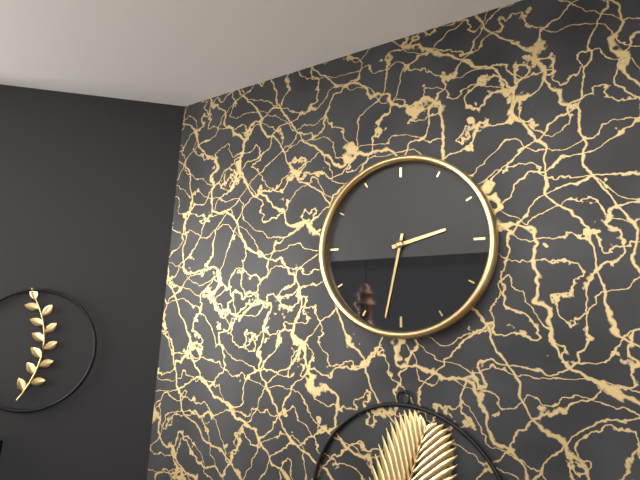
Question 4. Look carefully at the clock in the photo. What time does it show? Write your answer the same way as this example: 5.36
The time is 2.32
